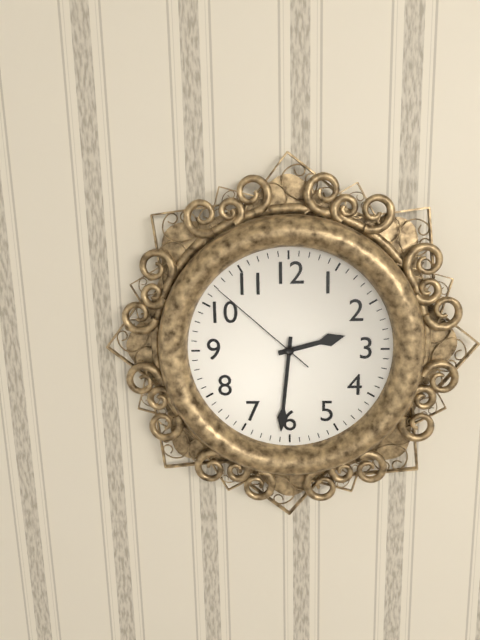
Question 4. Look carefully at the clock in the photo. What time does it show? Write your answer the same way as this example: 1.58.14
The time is 2.31.52
